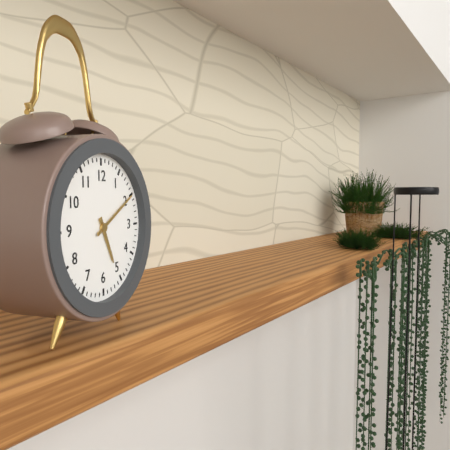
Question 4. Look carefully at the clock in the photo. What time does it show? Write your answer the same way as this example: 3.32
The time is 5.10
